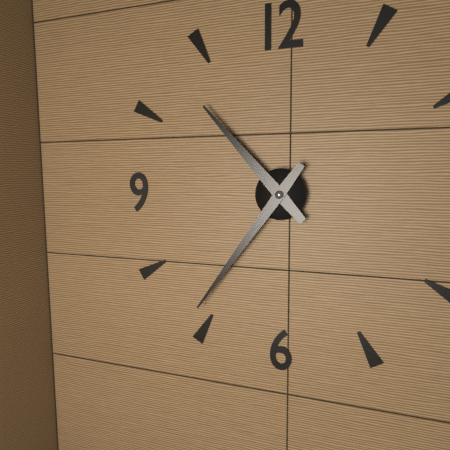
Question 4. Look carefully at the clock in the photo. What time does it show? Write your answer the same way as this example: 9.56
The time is 10.36
